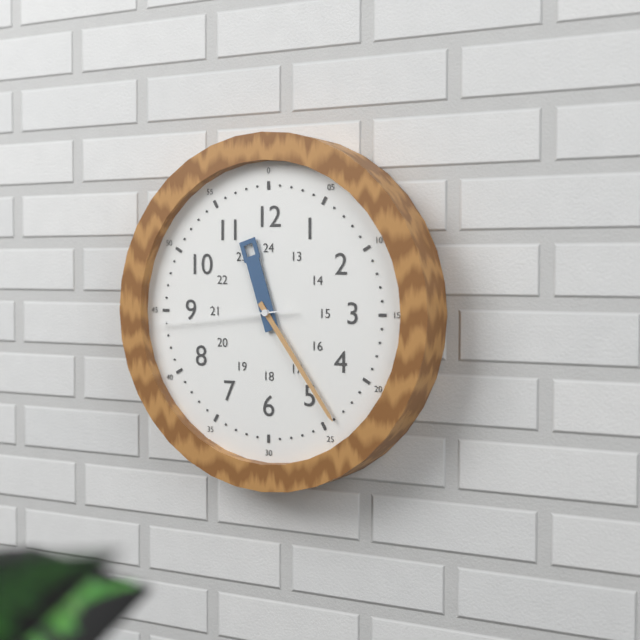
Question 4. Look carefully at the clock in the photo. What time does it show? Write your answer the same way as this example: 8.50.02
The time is 11.24.44
